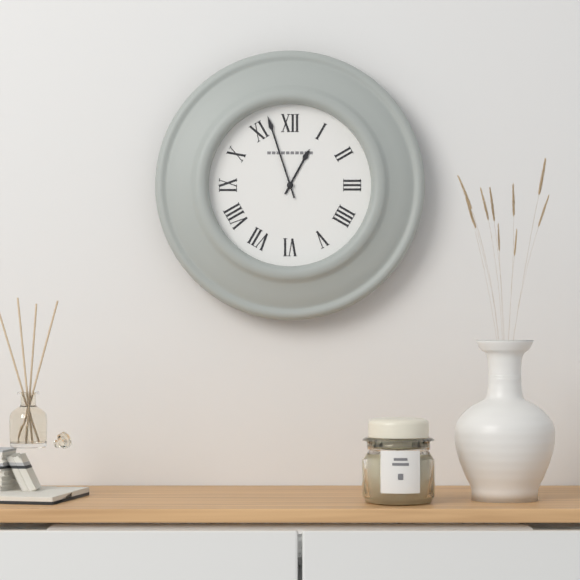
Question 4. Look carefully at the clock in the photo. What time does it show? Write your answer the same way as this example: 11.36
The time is 12.57
